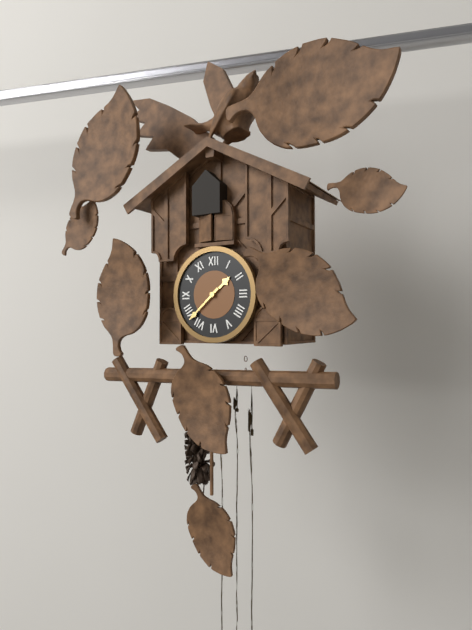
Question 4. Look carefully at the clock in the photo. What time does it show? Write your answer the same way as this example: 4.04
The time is 1.38
